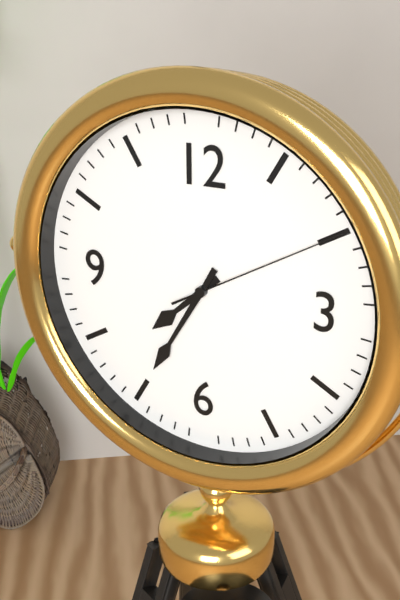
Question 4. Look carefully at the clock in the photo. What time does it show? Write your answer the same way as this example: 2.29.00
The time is 7.35.10
